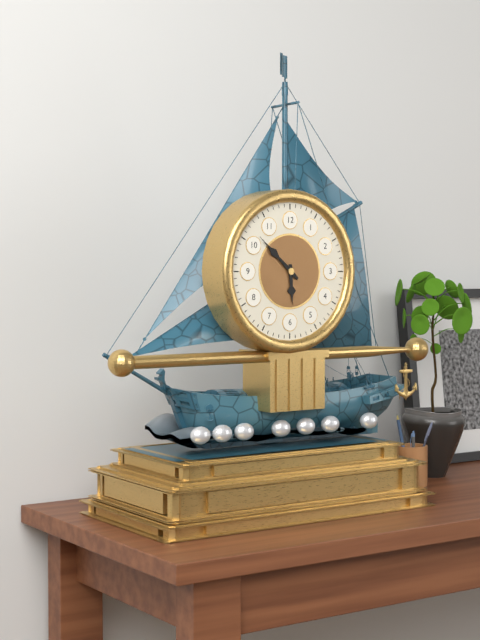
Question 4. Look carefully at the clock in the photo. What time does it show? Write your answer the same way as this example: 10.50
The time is 5.52
